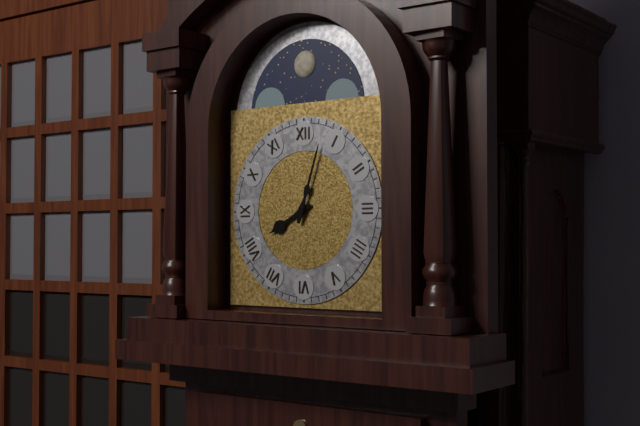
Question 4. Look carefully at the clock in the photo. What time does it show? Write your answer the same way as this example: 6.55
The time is 8.03
